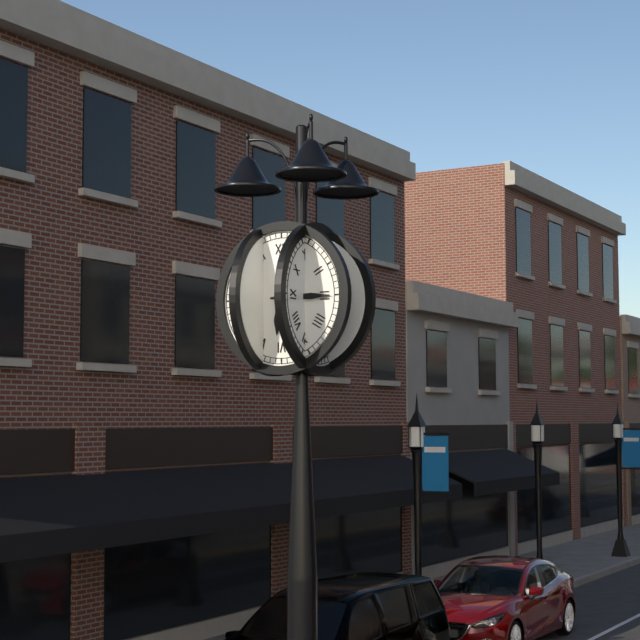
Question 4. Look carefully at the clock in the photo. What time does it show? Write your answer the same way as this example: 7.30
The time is 6.15
